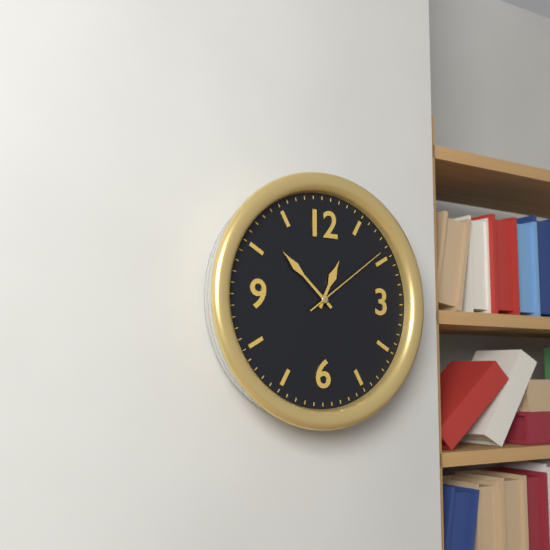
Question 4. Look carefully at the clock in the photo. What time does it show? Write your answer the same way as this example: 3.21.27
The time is 12.52.09
